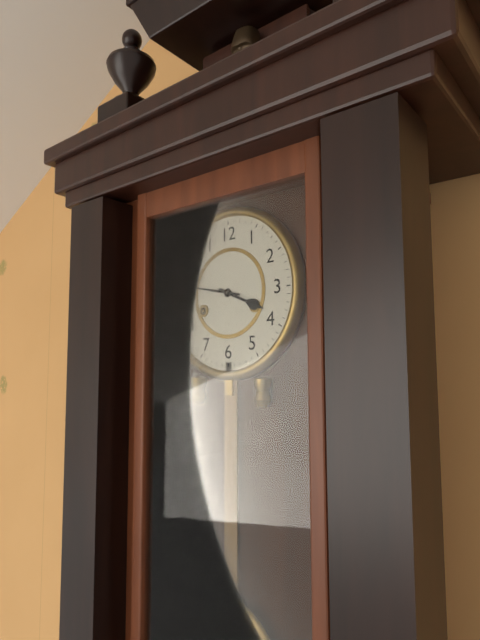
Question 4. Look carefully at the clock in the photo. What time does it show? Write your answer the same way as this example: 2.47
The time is 3.47
